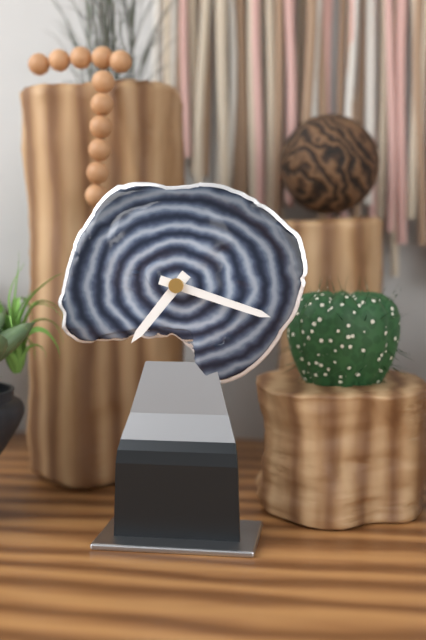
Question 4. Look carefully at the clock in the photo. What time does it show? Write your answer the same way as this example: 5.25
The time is 7.18
